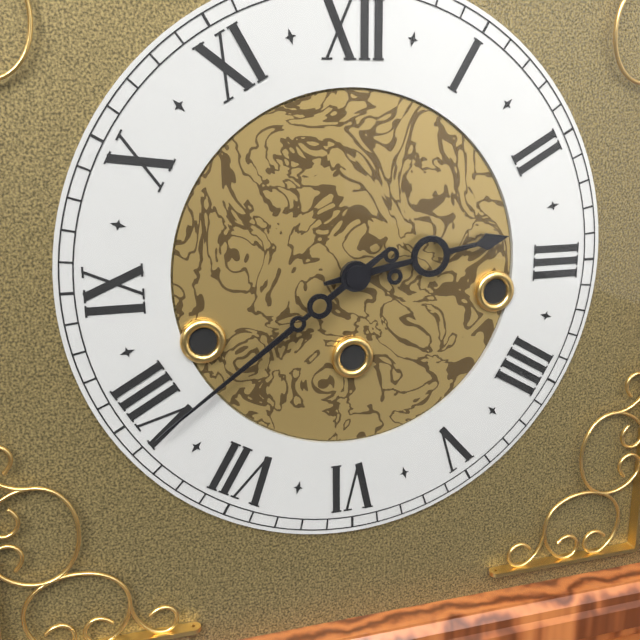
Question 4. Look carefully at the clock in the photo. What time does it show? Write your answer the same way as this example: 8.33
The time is 2.39
